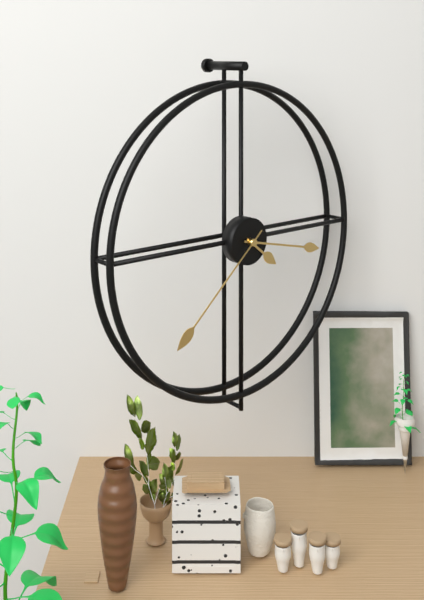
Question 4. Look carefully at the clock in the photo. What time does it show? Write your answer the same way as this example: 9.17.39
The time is 4.17.38
